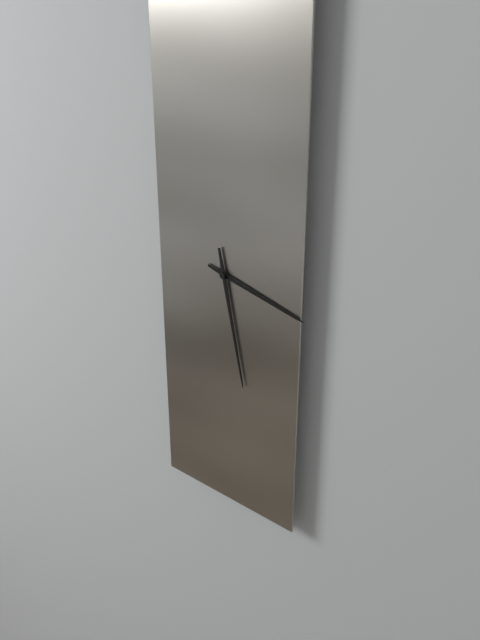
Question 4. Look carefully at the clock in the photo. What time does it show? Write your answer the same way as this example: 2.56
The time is 3.28
